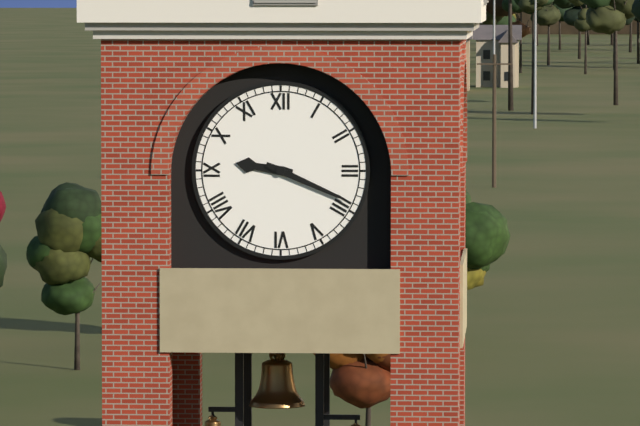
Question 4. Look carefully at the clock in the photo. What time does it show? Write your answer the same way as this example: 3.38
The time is 9.19
